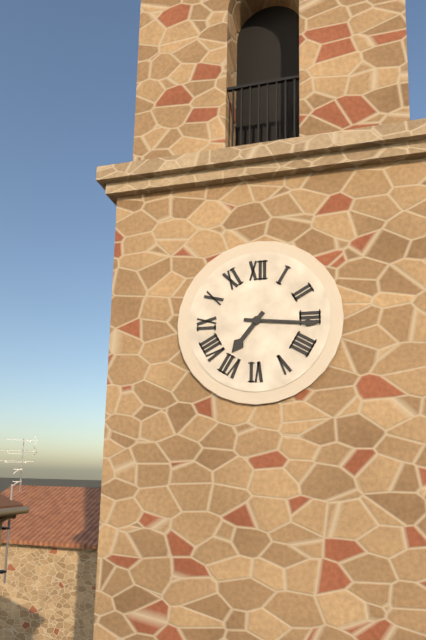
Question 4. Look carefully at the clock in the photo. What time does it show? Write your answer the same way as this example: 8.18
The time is 7.16
